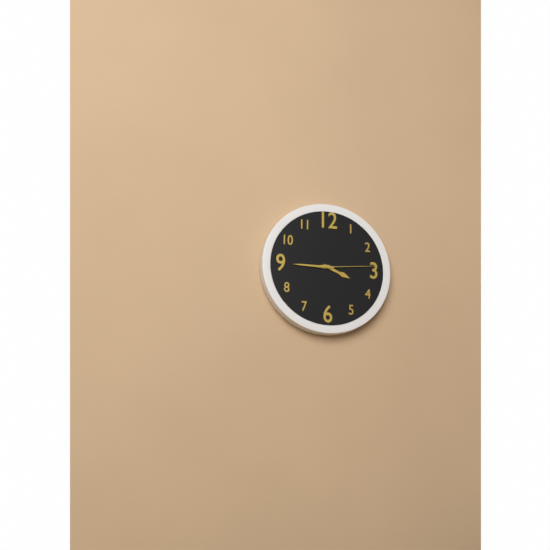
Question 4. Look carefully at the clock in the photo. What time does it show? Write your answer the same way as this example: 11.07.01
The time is 3.45.14
